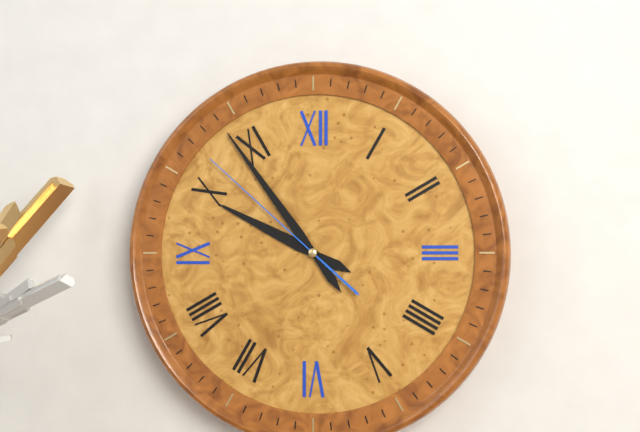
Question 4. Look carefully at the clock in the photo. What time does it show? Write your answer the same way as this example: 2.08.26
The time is 9.54.52
